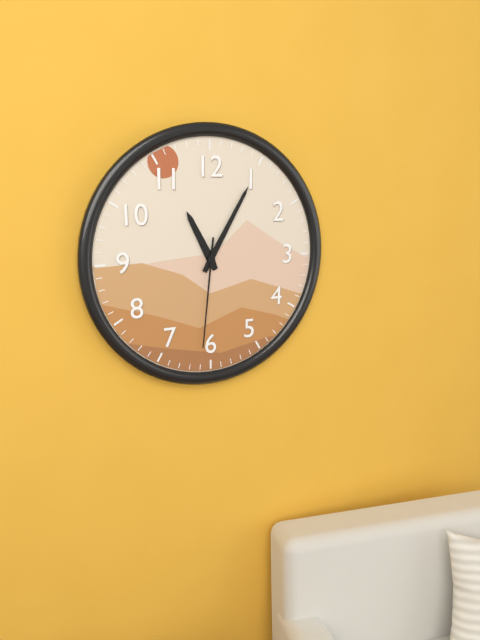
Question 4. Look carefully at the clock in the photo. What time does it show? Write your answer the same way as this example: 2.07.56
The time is 11.05.31
